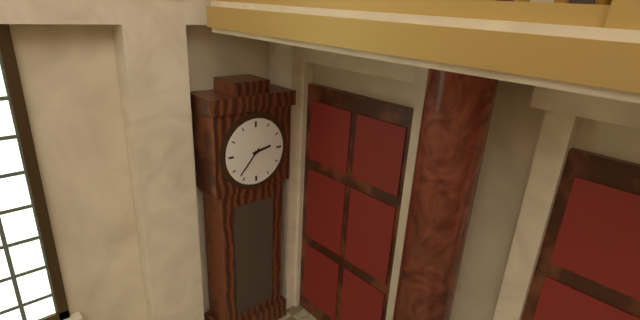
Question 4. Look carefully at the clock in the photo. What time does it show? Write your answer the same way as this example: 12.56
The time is 2.37
